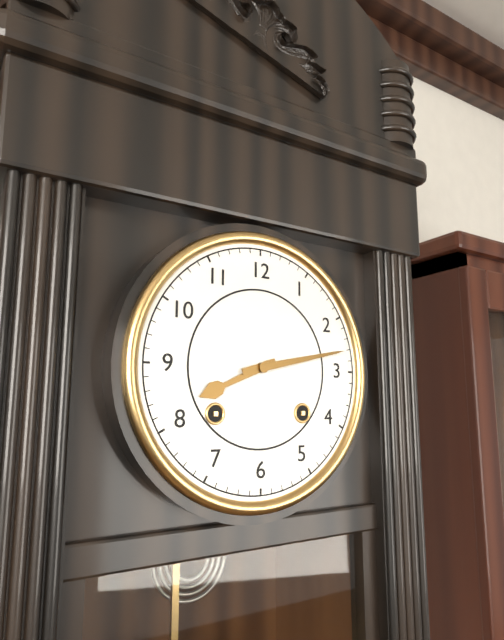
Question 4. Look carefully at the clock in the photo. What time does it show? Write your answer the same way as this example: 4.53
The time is 8.13
